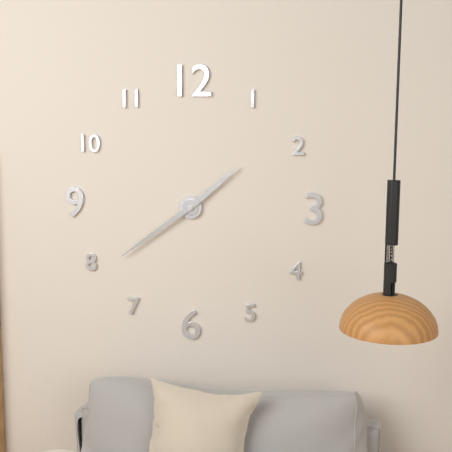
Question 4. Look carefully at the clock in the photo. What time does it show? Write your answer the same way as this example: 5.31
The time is 1.39
